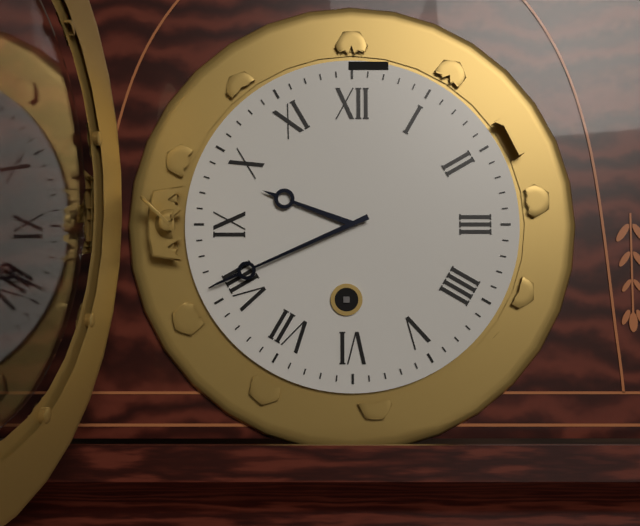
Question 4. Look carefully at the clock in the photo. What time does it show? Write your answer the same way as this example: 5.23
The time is 9.41
